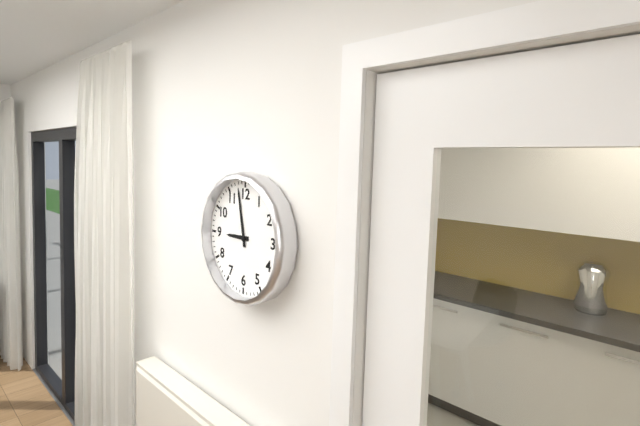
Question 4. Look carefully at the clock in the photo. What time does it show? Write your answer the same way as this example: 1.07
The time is 8.58
